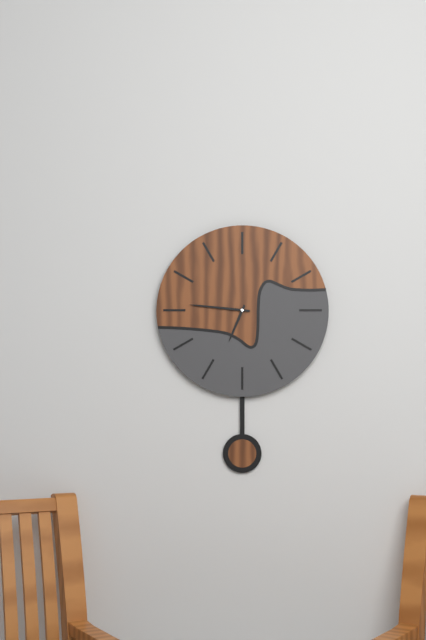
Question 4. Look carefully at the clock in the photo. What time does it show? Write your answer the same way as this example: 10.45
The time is 6.46
